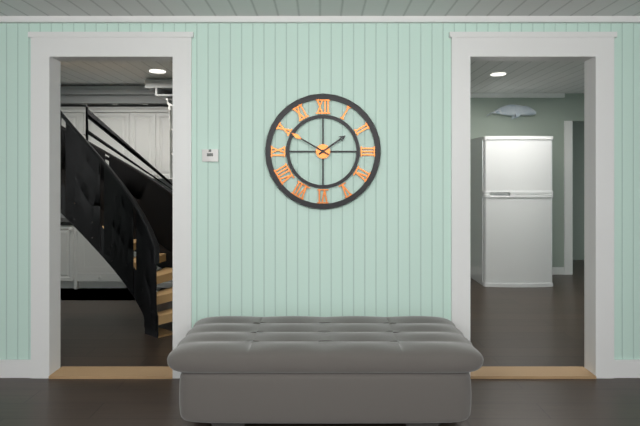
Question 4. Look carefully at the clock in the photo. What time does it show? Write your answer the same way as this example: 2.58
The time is 1.50
